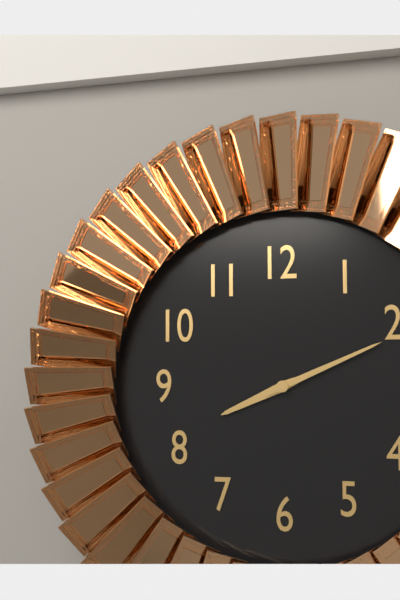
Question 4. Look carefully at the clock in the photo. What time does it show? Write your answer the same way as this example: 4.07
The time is 8.11
